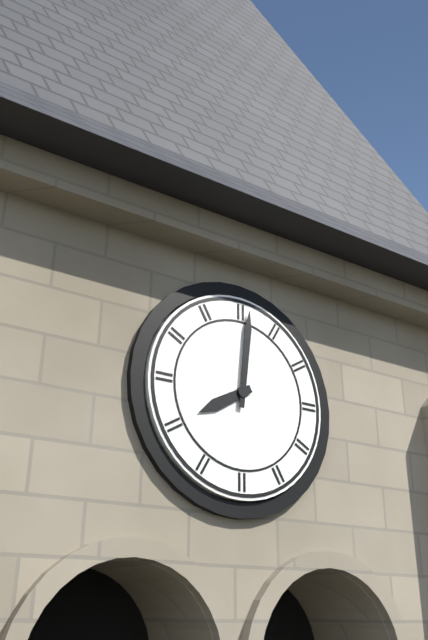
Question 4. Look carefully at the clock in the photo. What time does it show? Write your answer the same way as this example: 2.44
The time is 8.01
